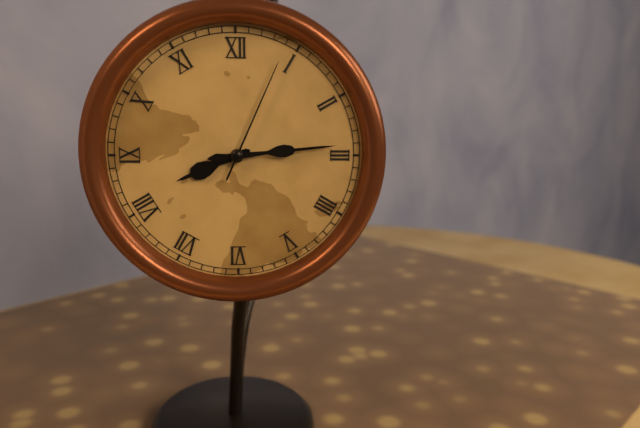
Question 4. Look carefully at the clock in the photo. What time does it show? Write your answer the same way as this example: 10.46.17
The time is 8.14.04
